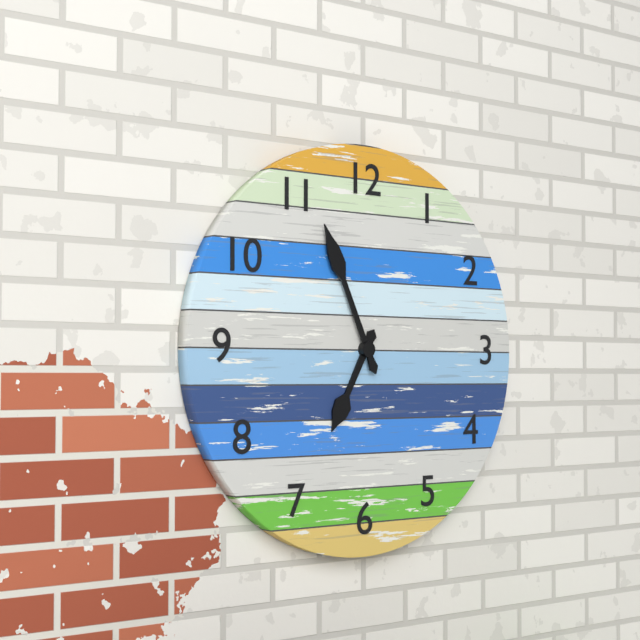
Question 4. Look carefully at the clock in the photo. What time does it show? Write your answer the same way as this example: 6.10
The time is 6.56
